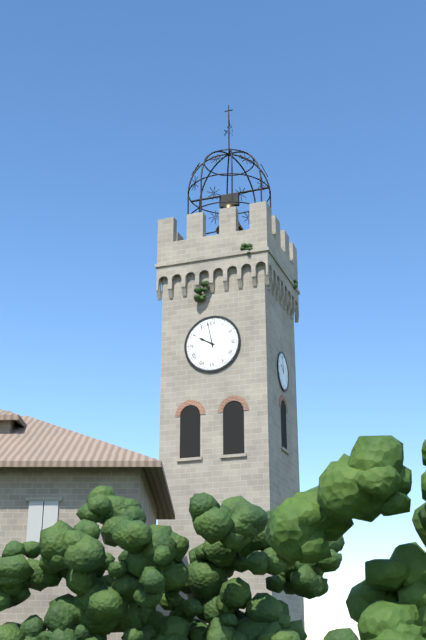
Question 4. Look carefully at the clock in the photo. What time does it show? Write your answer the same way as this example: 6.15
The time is 9.58
